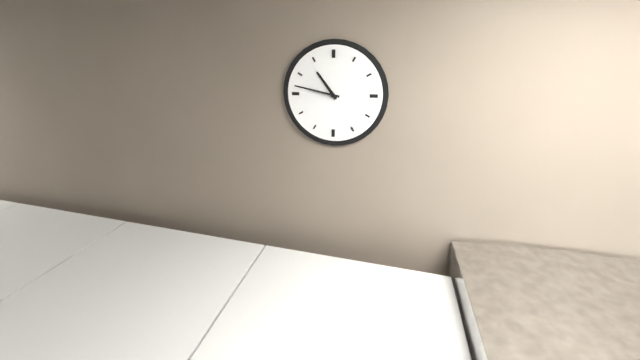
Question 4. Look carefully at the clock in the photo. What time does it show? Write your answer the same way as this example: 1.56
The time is 10.47
